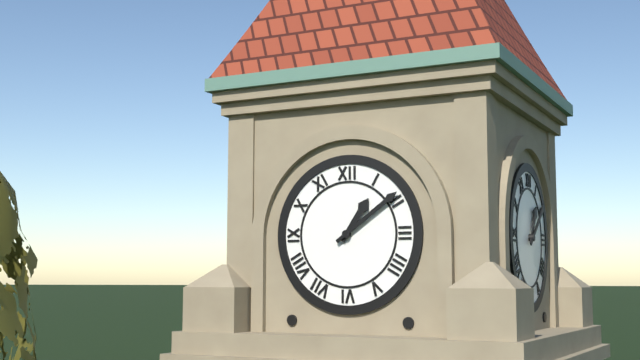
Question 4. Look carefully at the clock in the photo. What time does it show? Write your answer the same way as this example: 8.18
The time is 1.09
